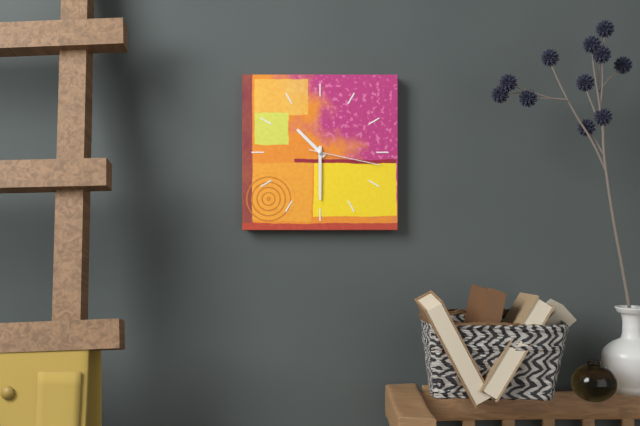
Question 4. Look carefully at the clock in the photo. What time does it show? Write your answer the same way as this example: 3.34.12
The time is 10.30.17
